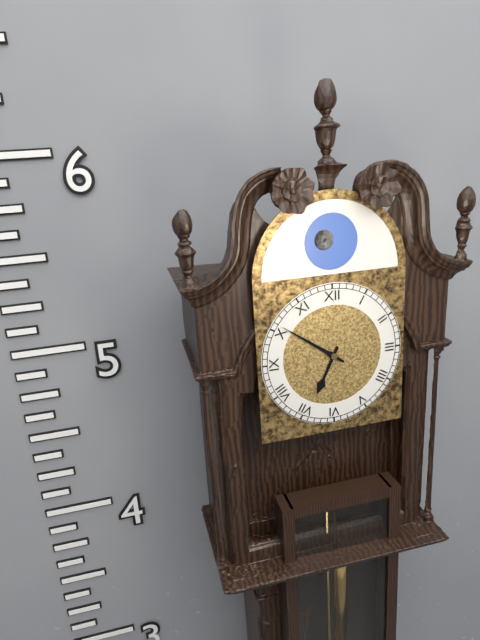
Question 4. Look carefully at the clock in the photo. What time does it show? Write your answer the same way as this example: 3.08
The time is 6.51
